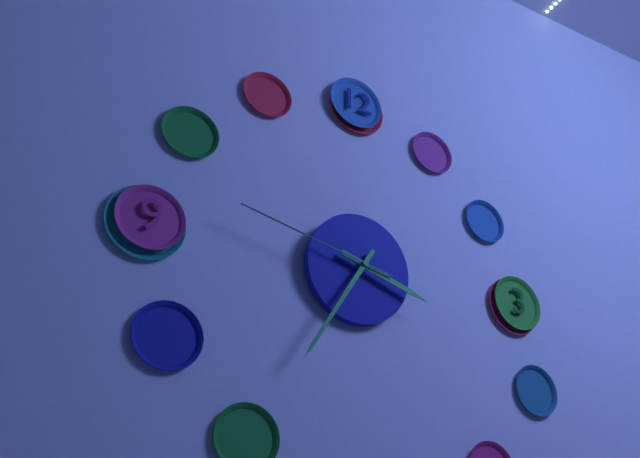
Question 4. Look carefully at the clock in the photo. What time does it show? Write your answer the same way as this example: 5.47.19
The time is 3.35.47
